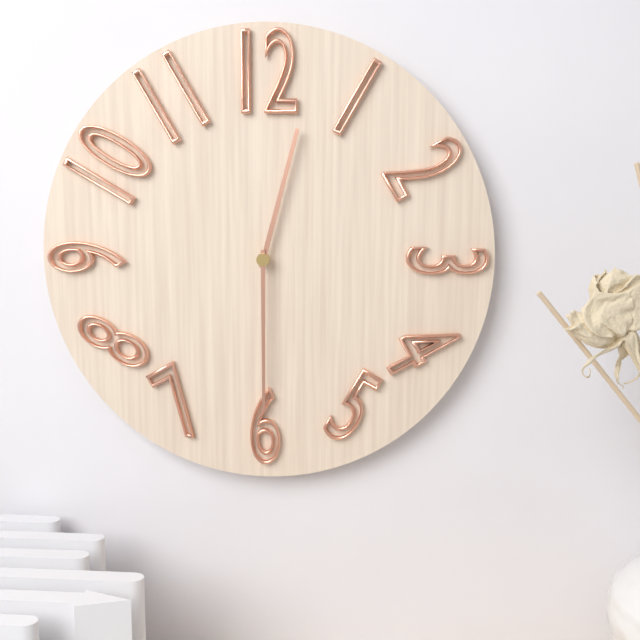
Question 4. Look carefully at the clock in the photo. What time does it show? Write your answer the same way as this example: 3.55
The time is 12.30
